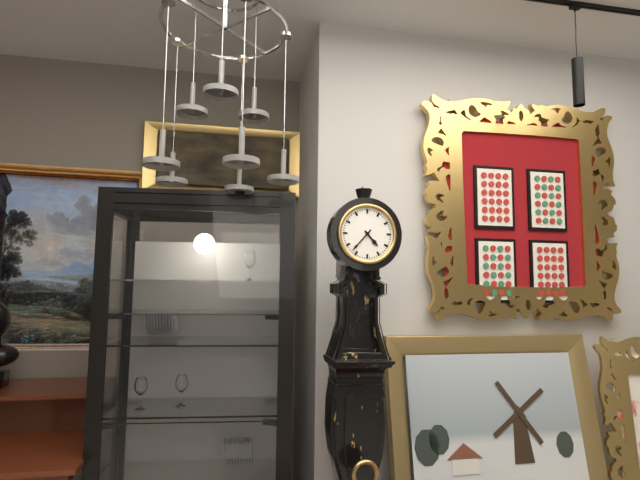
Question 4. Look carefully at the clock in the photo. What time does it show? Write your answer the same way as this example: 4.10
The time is 4.37
